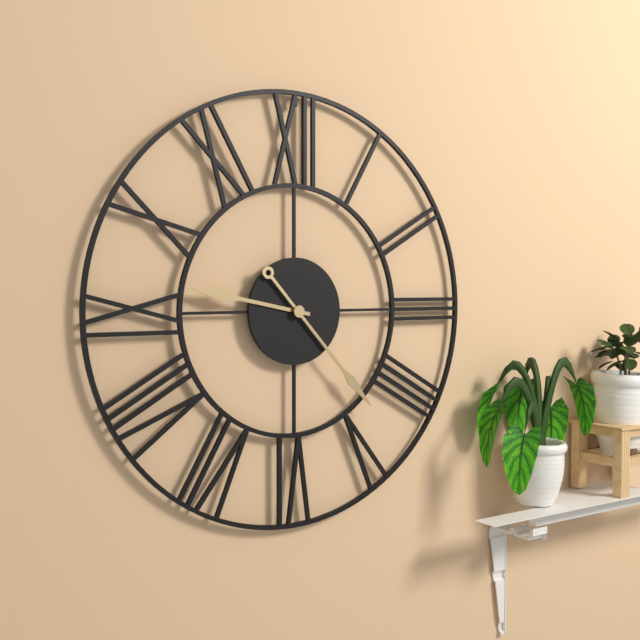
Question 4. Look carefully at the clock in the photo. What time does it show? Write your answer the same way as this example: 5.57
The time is 9.23
